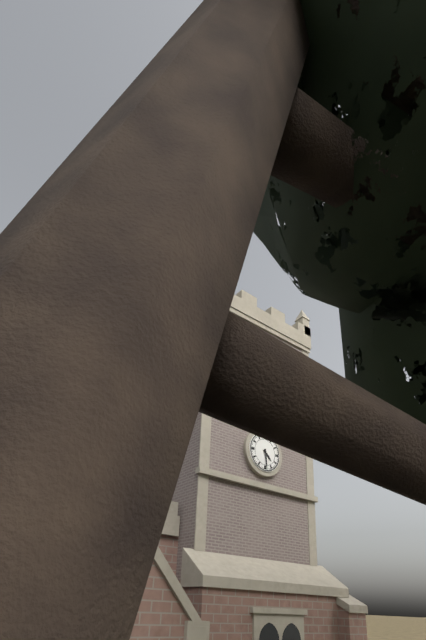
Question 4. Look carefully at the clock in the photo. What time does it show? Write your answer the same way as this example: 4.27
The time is 4.29
